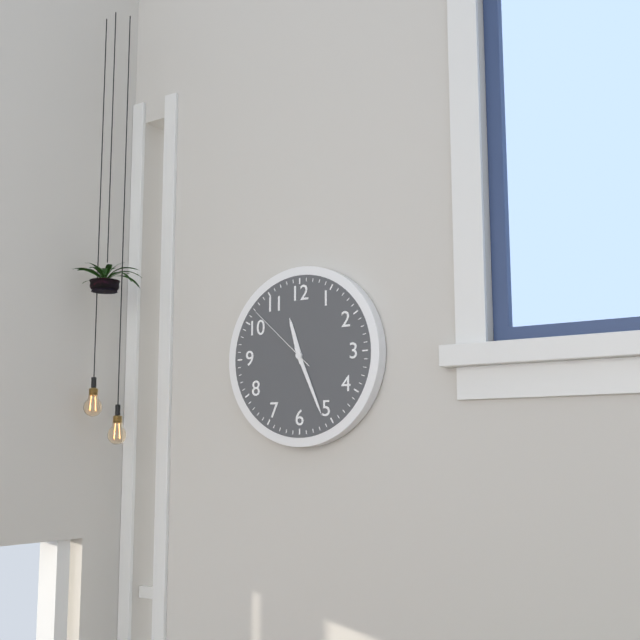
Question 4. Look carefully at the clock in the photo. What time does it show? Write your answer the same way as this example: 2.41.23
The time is 11.26.52
